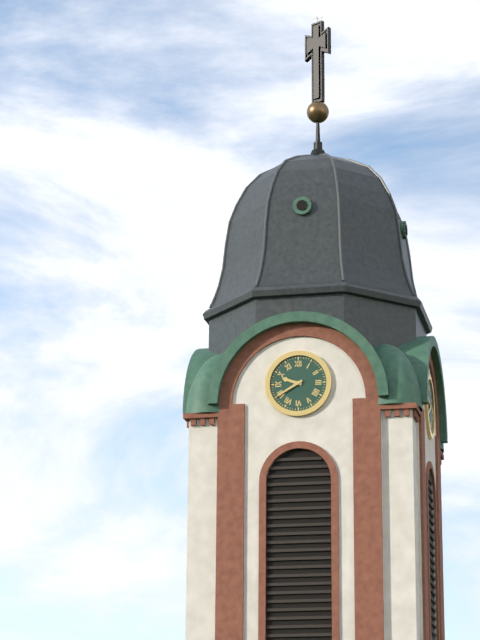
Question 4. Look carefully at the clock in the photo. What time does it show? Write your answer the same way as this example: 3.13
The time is 9.40
